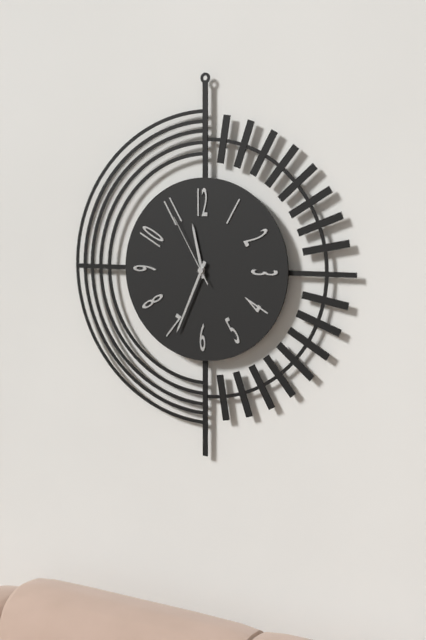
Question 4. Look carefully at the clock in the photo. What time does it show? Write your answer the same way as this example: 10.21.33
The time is 11.34.55
